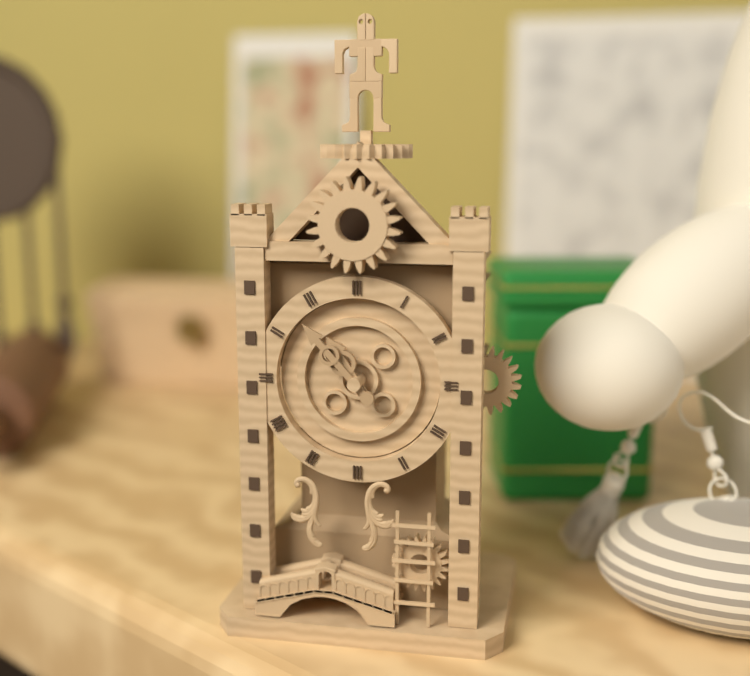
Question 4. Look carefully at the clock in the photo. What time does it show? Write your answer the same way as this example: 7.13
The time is 10.53
